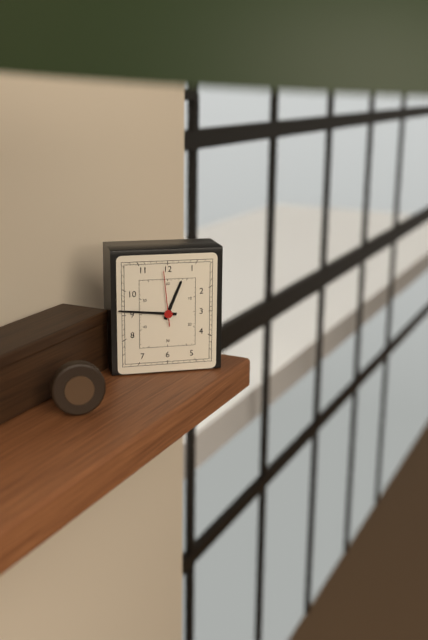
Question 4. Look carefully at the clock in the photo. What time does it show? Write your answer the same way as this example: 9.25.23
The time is 12.46.59
